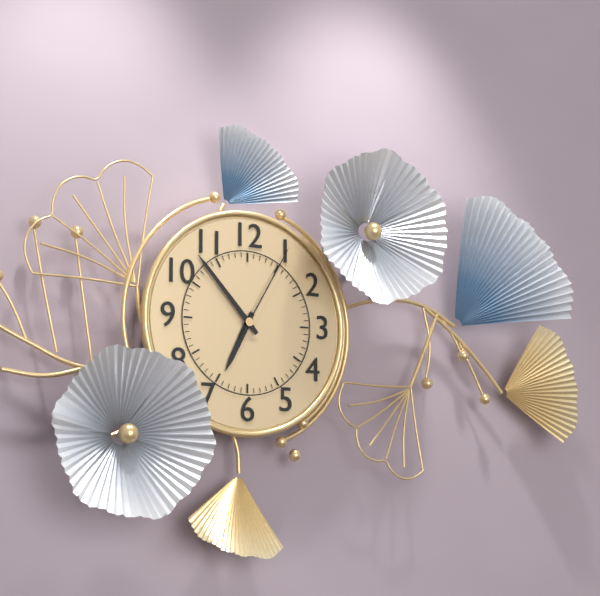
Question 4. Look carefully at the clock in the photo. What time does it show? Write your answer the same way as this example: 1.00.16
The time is 6.53.05
